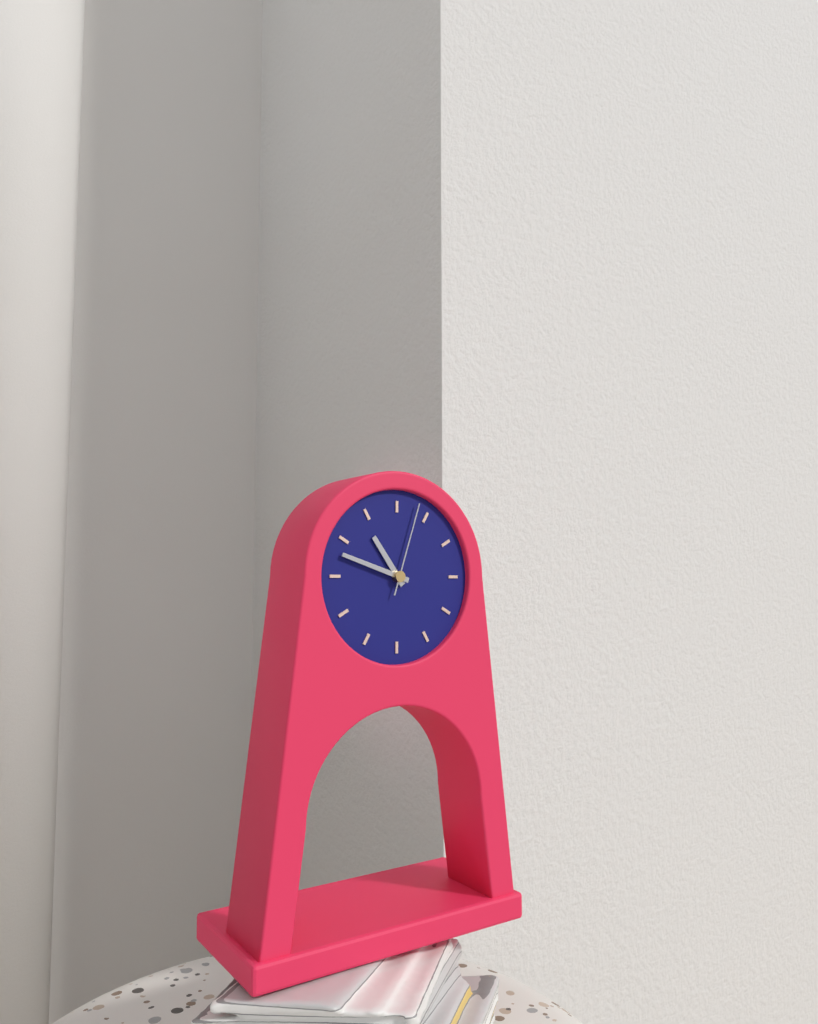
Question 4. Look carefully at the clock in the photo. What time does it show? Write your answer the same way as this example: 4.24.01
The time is 10.48.03
